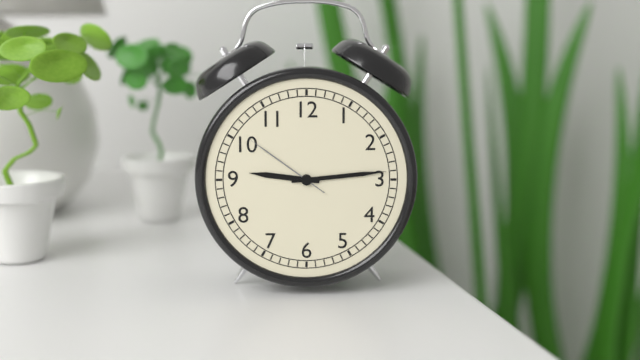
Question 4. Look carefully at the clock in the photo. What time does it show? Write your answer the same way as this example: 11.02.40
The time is 9.14.51
